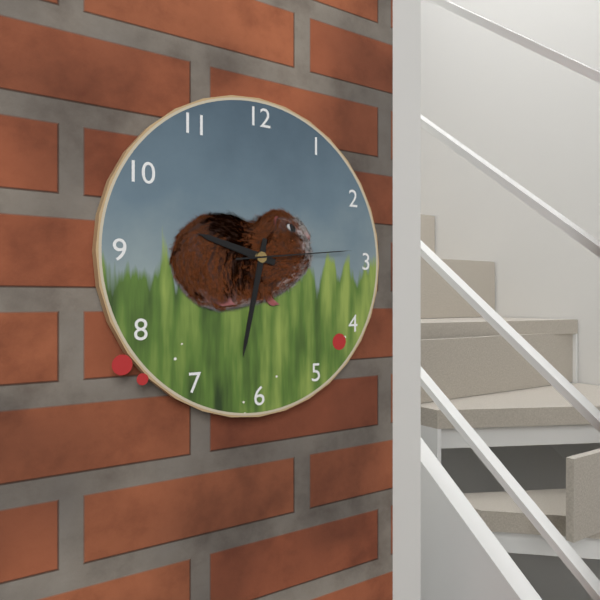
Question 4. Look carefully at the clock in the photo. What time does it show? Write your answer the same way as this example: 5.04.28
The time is 9.32.14
